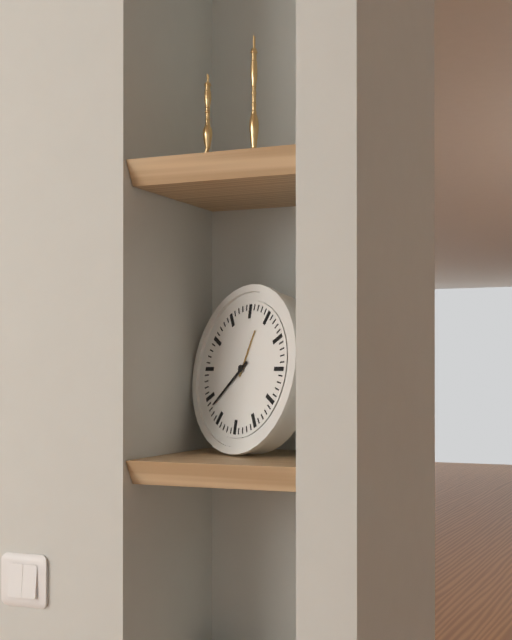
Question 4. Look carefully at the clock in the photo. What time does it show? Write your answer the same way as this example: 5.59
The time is 12.38
